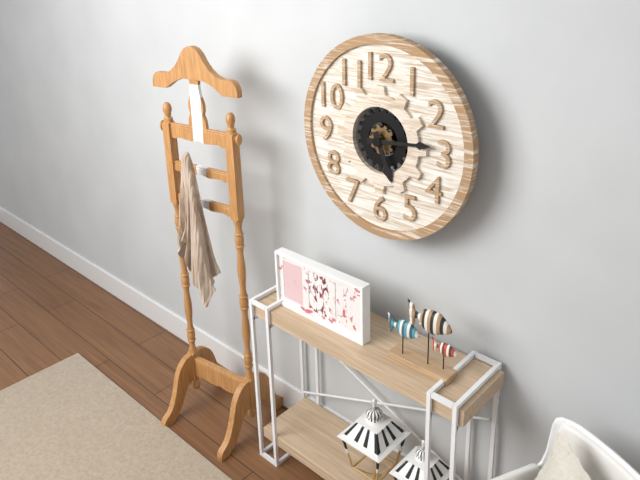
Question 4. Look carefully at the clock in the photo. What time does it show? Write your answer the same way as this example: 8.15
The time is 5.14
